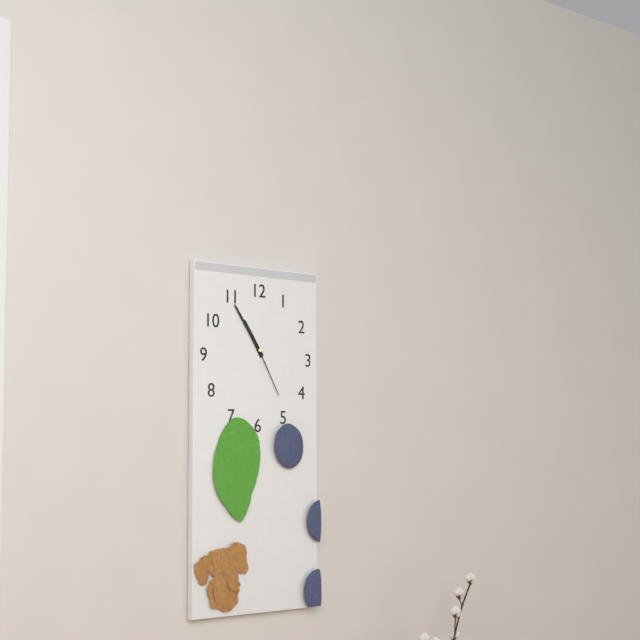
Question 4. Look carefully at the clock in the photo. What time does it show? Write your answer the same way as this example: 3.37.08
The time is 10.54.25
